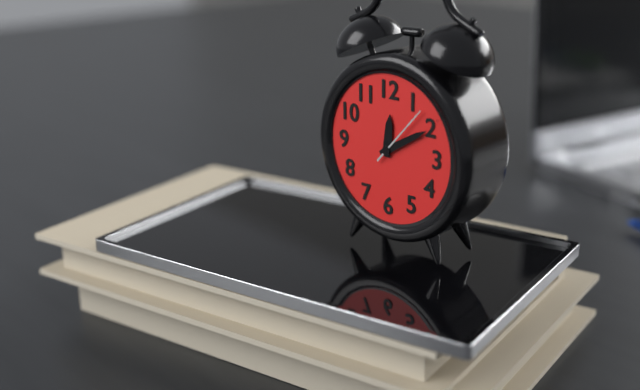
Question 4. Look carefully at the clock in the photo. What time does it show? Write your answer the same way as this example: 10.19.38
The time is 12.10.07
